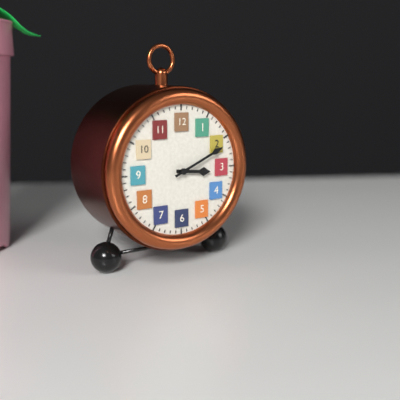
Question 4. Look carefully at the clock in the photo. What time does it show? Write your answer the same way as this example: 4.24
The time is 3.11
